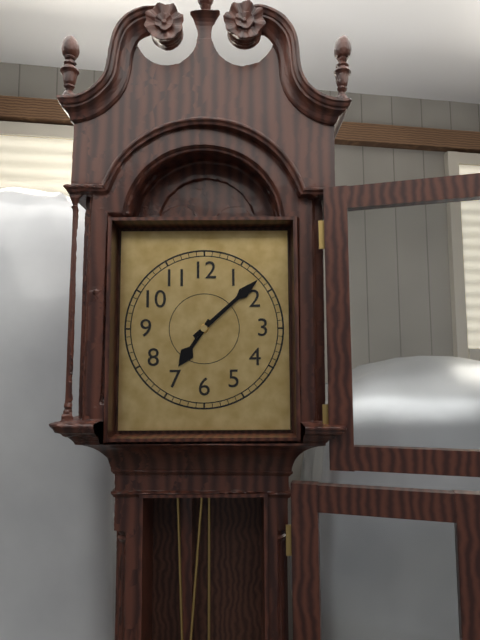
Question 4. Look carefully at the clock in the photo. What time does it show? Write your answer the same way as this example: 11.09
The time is 7.08
